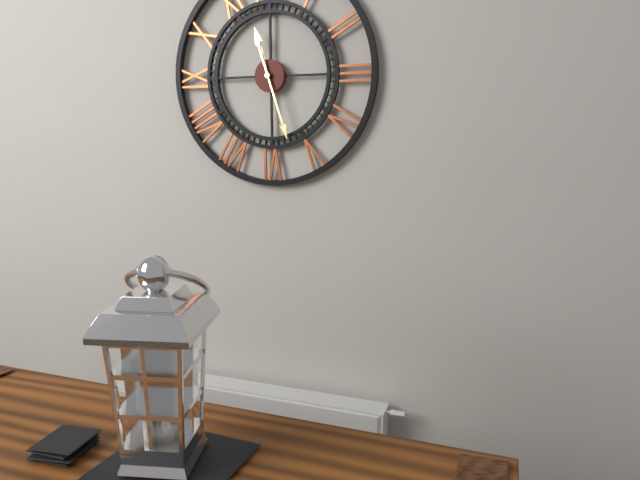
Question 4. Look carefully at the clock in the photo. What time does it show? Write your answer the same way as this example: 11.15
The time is 11.27
